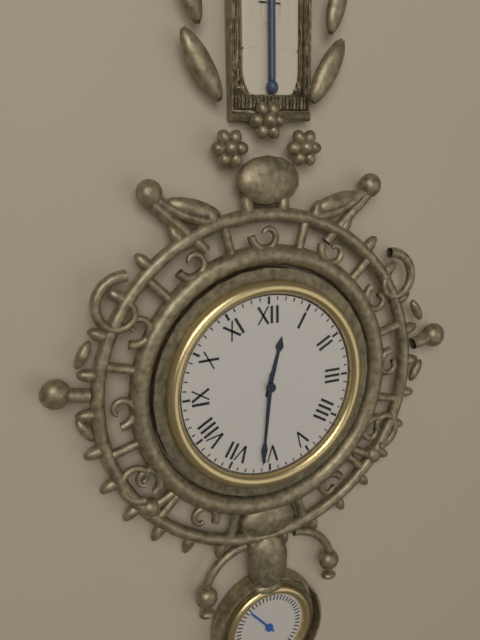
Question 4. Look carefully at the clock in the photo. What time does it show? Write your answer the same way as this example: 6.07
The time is 12.31
